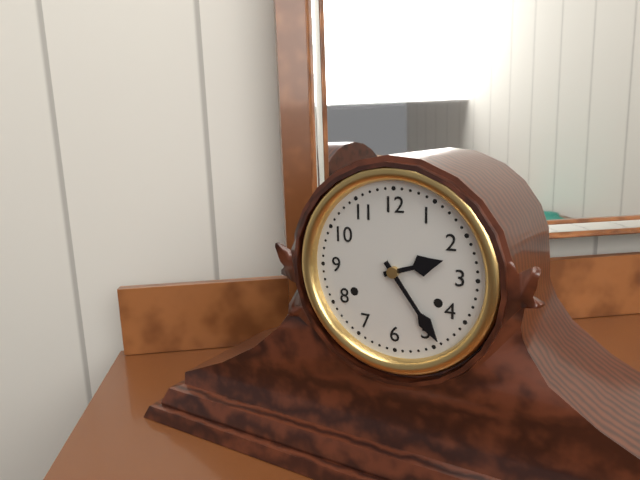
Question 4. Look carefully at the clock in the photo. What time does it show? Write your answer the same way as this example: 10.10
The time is 2.24
